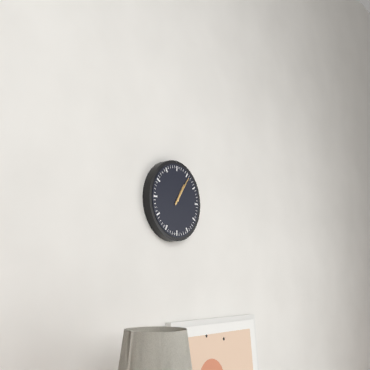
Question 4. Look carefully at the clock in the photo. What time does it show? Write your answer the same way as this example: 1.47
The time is 1.06
